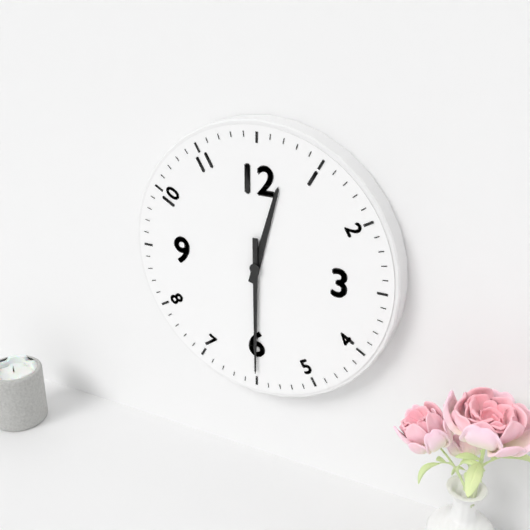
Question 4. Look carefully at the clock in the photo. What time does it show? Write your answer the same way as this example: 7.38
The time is 12.30
